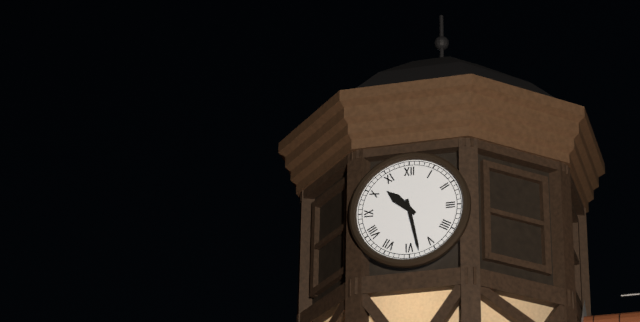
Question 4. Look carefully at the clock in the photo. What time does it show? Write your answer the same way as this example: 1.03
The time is 10.28
